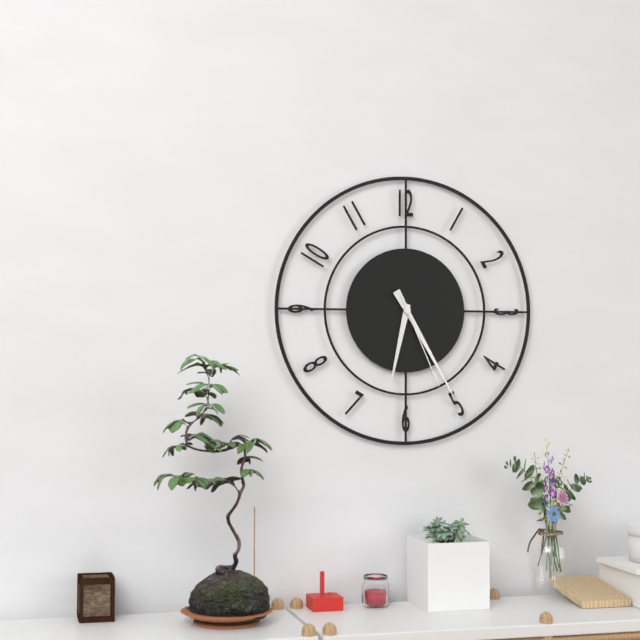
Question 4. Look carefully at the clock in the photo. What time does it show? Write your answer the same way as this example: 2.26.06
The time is 6.25.26
